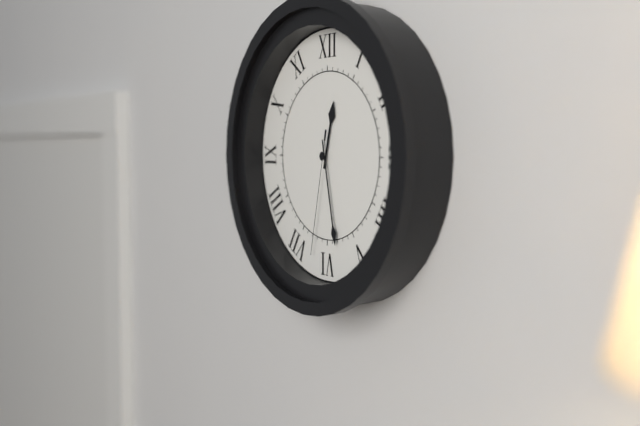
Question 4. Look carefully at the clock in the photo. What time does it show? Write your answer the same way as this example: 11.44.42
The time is 12.28.32
